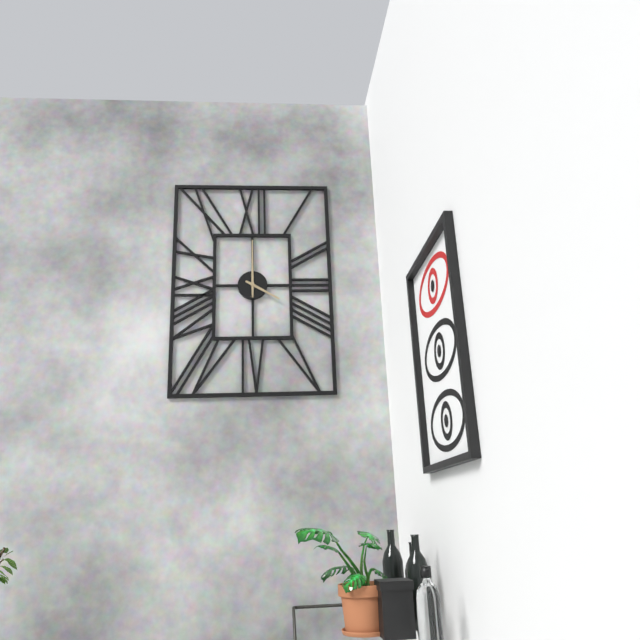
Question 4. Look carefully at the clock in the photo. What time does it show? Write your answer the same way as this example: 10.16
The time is 4.00
